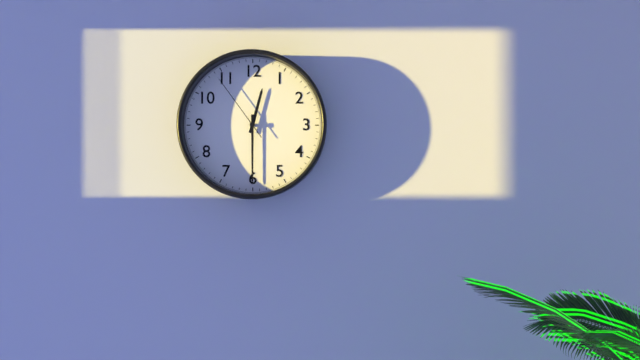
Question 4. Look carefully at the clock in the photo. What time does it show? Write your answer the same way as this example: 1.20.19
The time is 12.30.54
